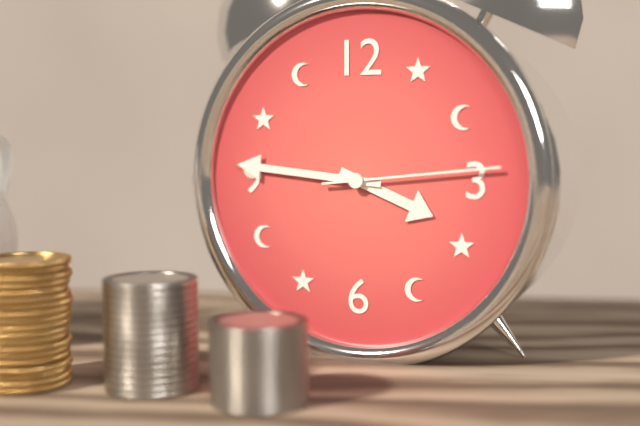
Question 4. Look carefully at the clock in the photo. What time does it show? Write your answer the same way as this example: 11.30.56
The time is 3.46.14
